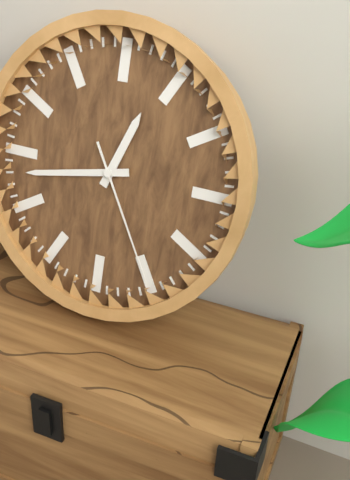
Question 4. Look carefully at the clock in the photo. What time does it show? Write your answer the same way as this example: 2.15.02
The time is 12.43.25
